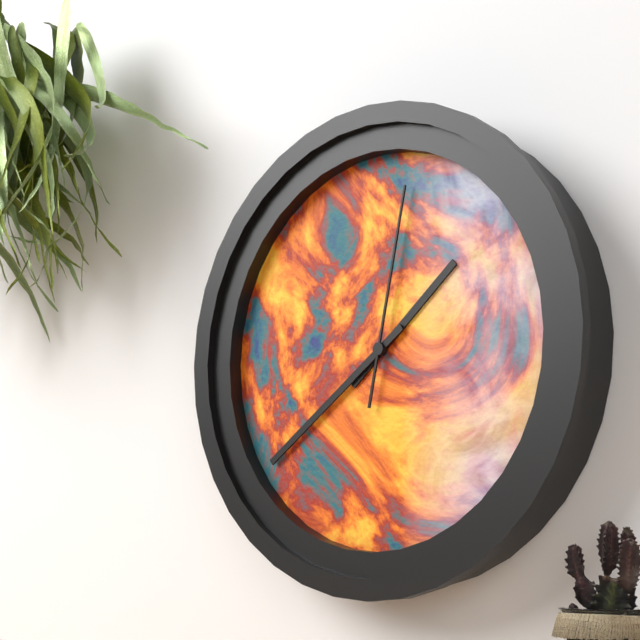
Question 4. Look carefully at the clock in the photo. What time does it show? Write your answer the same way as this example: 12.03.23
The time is 1.39.02
